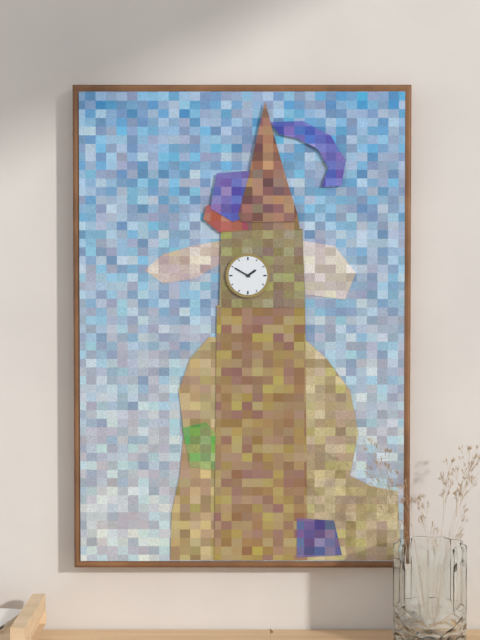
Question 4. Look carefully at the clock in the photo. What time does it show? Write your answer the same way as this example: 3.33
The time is 1.50
